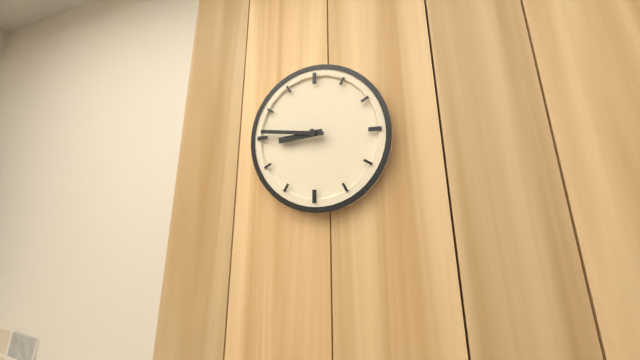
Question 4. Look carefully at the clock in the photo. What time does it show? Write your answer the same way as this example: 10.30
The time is 8.46
